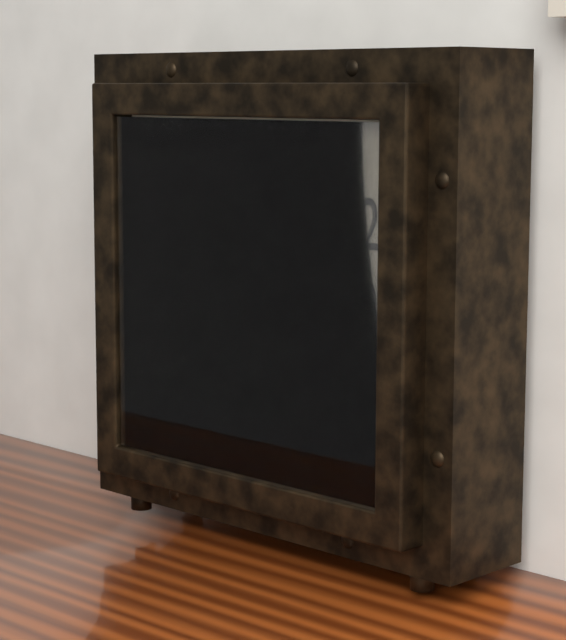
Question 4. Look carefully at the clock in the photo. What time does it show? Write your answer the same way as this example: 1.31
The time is 4.01
